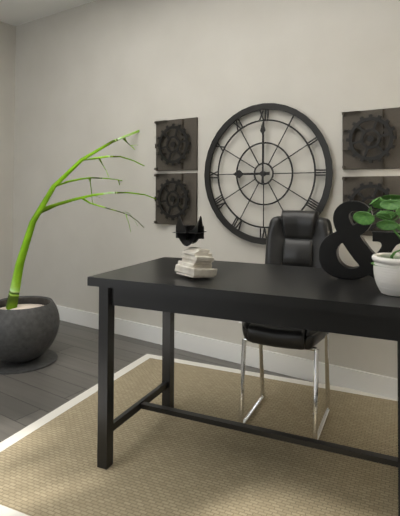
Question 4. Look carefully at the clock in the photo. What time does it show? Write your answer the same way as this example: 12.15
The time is 9.00
